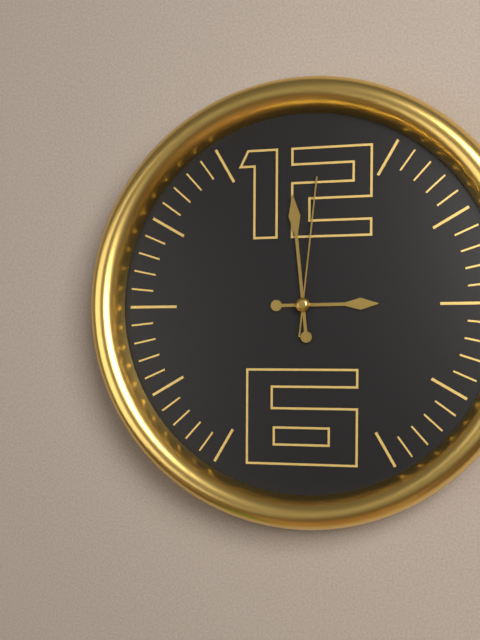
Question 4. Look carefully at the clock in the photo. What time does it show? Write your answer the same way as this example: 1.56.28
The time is 2.59.01
